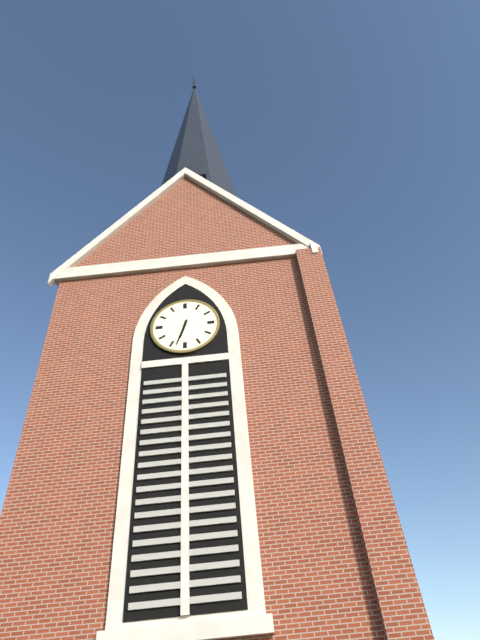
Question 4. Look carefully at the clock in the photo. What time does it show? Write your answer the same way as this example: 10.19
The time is 6.33
